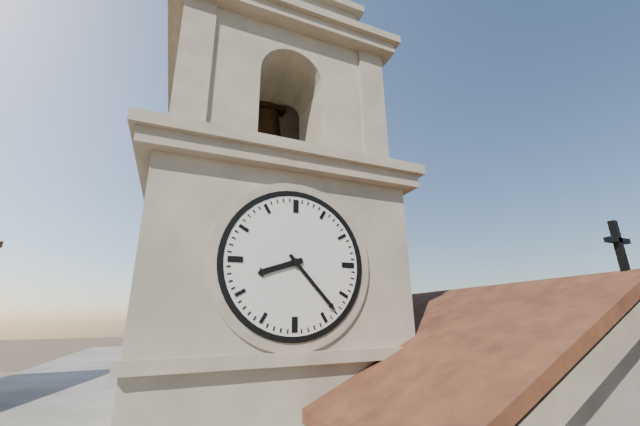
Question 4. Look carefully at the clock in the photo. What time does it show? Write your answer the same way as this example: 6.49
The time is 8.23
